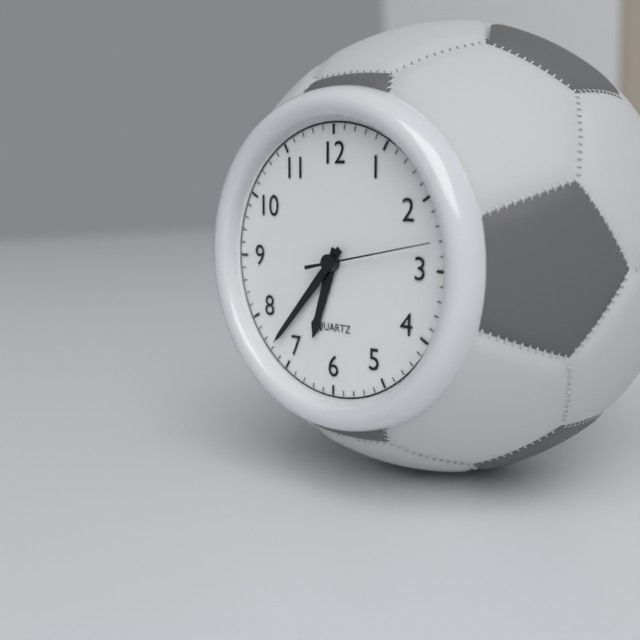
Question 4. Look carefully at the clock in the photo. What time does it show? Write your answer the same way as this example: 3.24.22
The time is 6.37.13
